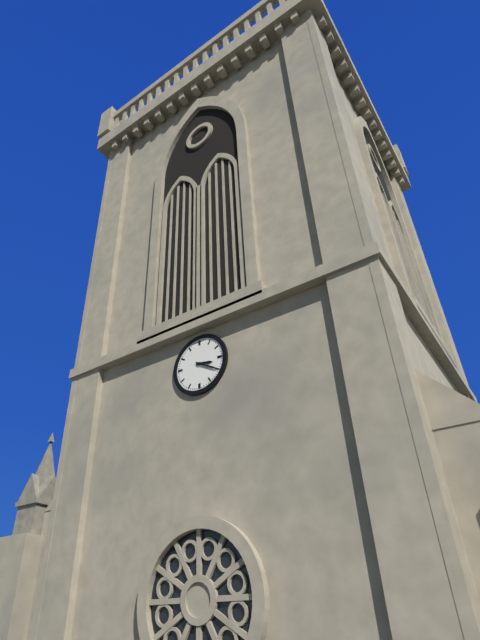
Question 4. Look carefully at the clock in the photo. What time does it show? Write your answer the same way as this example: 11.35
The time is 3.20
